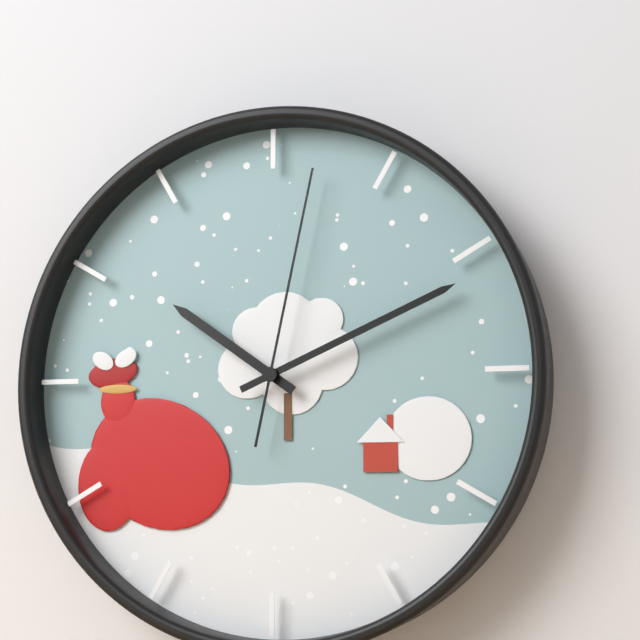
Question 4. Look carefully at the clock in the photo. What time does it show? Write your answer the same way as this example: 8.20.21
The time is 10.11.02
